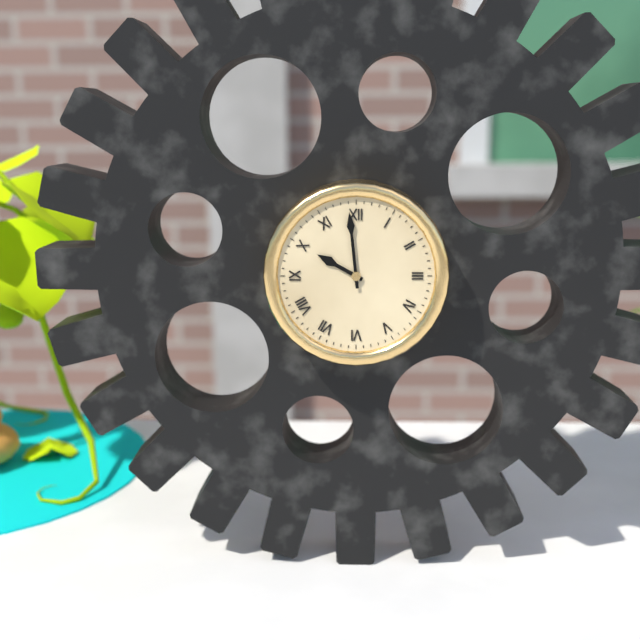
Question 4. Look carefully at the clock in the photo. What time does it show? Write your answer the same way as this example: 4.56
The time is 9.59
